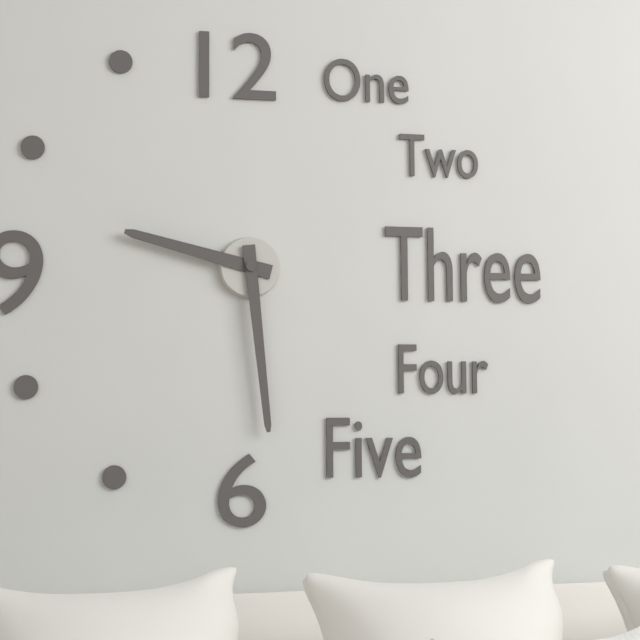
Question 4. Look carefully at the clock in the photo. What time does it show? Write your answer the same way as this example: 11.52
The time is 9.29
